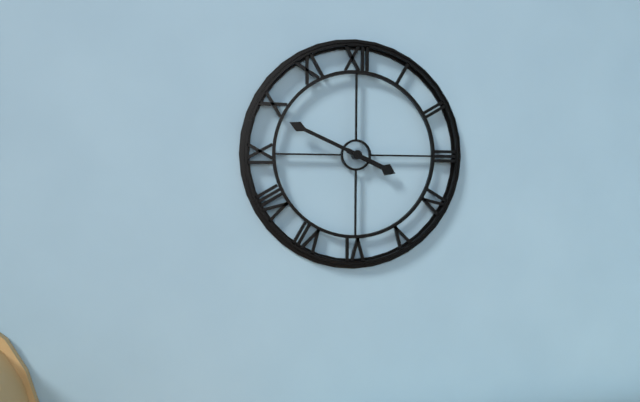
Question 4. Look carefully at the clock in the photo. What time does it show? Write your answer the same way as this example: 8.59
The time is 3.49
